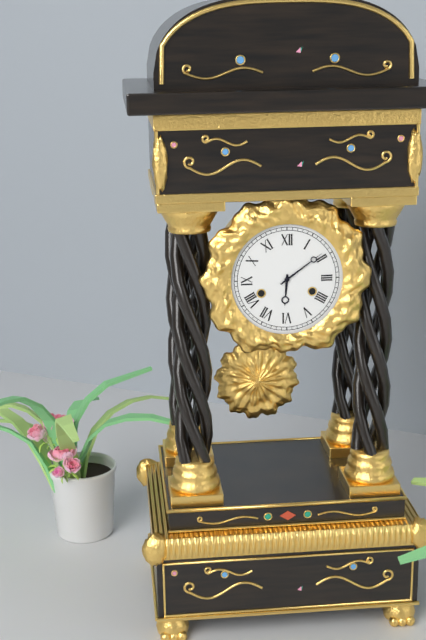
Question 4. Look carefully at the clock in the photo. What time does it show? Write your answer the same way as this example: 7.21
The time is 6.09
